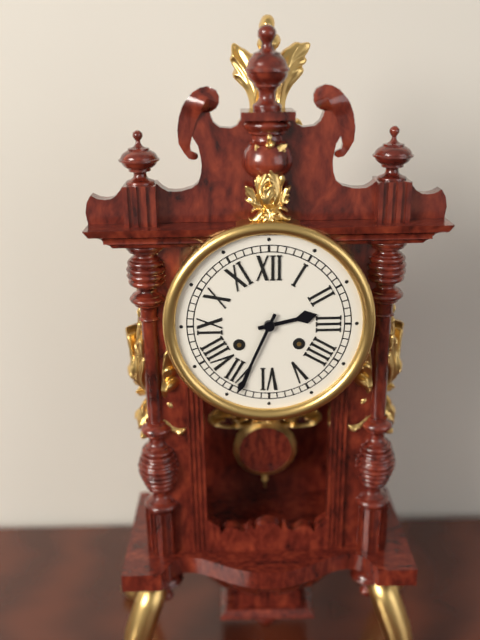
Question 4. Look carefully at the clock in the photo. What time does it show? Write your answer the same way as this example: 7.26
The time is 2.34
